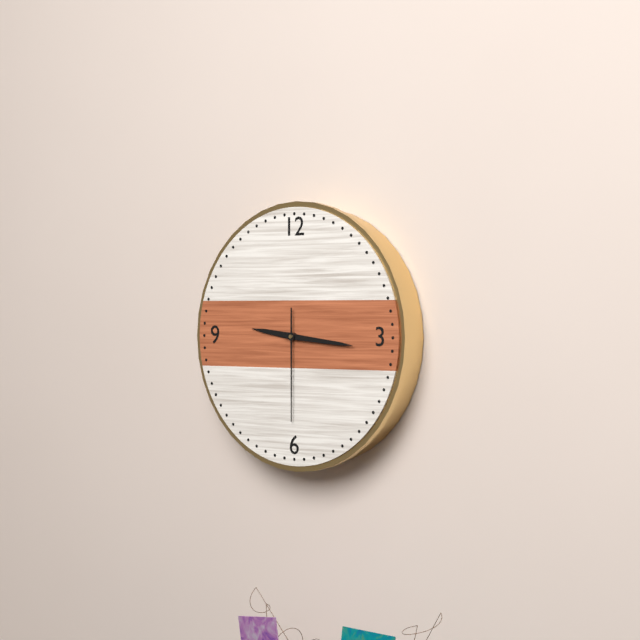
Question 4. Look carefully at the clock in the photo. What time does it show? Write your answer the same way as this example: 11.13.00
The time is 9.16.30
